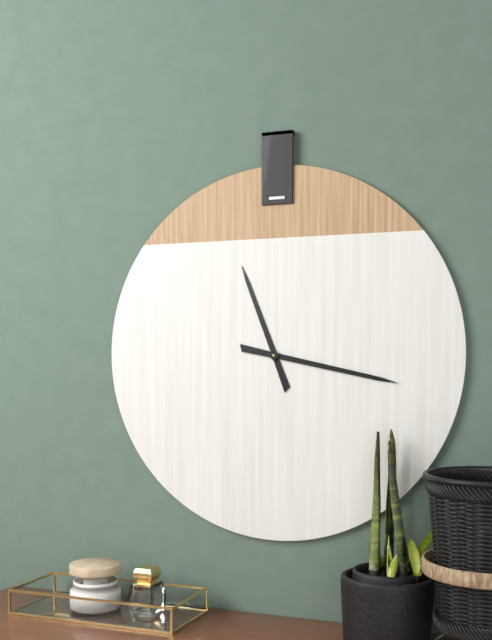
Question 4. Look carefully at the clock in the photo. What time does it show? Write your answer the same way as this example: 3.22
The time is 11.17
